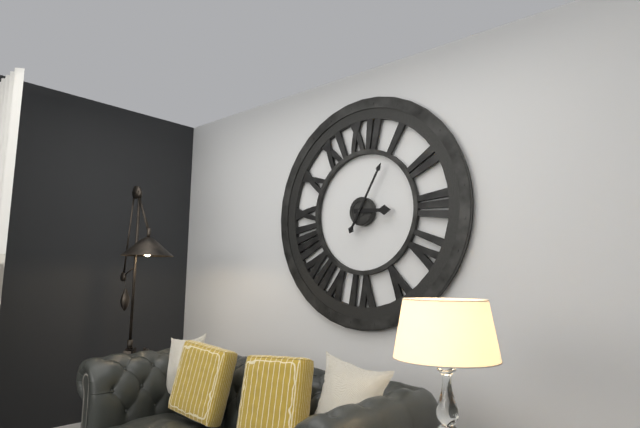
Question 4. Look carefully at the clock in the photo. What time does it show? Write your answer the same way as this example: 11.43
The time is 3.05
